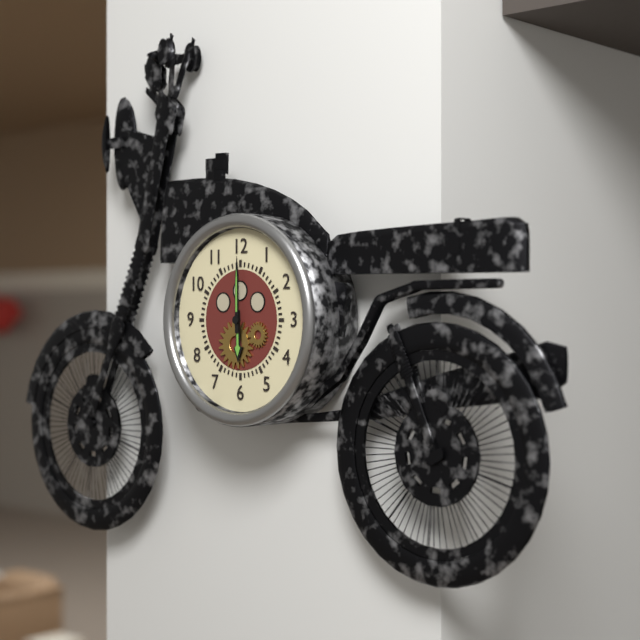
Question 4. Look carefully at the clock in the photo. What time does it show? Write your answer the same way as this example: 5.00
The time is 6.00
